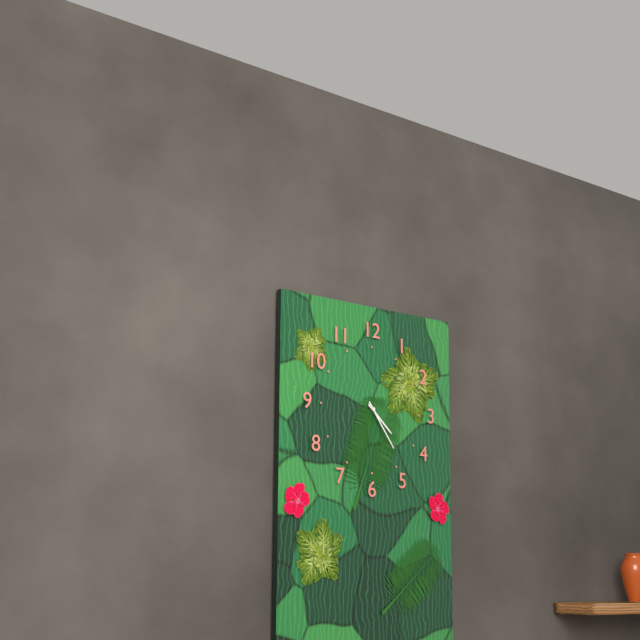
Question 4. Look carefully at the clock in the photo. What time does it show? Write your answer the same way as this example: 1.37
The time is 4.24
